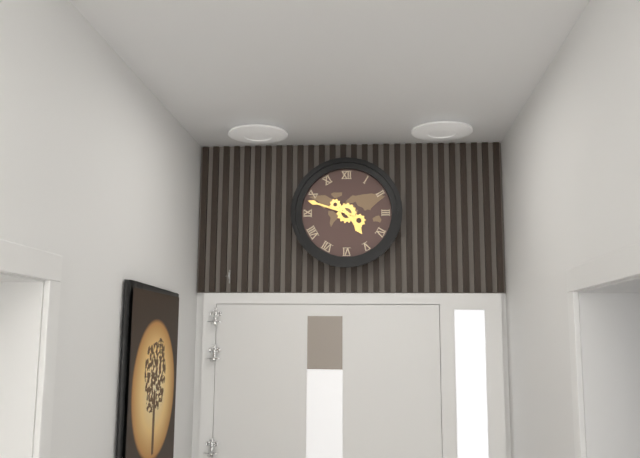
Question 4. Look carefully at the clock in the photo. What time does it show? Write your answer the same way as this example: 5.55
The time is 4.48
